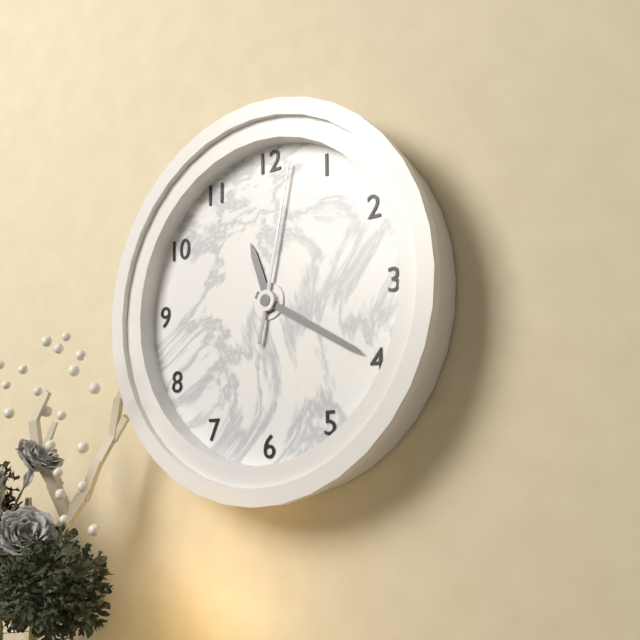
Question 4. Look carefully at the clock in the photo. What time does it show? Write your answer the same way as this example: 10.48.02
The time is 11.20.02
